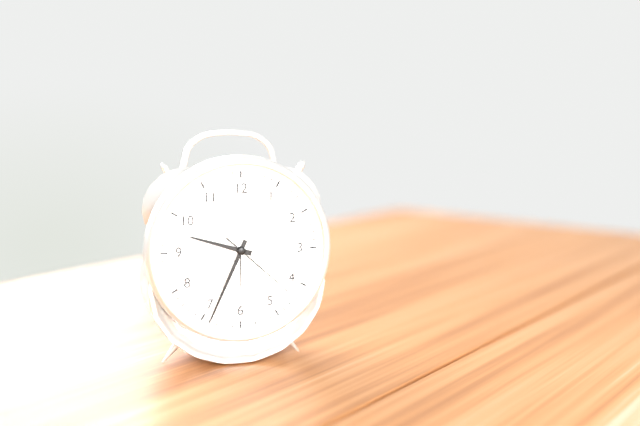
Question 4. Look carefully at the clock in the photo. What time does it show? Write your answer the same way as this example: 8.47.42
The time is 9.34.22
